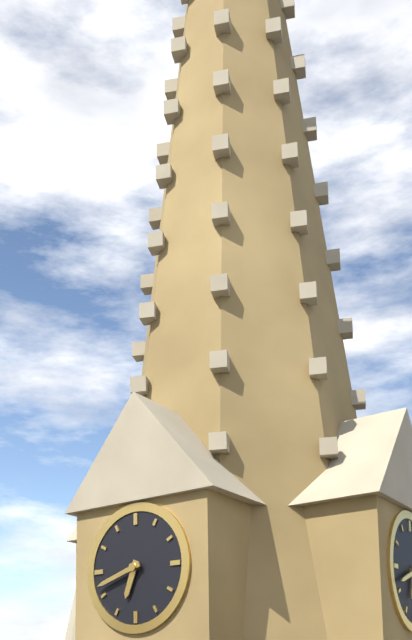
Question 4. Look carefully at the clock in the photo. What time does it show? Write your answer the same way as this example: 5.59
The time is 6.42
